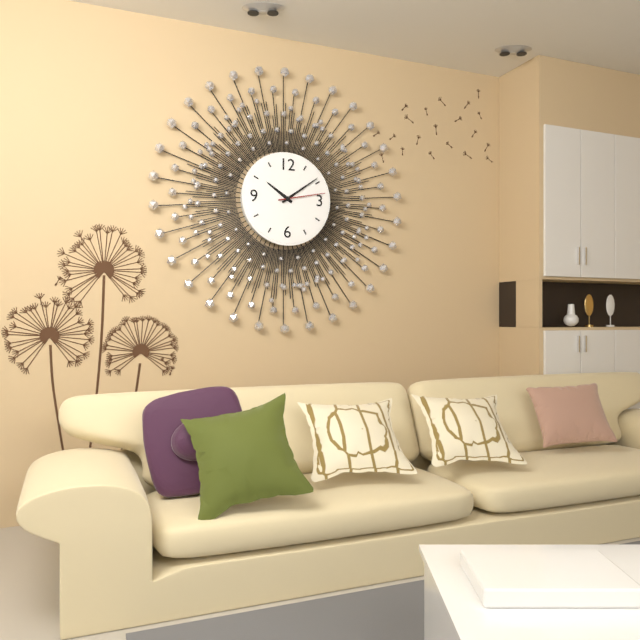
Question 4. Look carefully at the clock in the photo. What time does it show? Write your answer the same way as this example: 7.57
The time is 10.09
